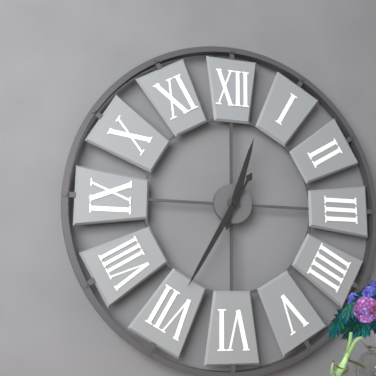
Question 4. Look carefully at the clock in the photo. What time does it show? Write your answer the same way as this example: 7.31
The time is 12.35
